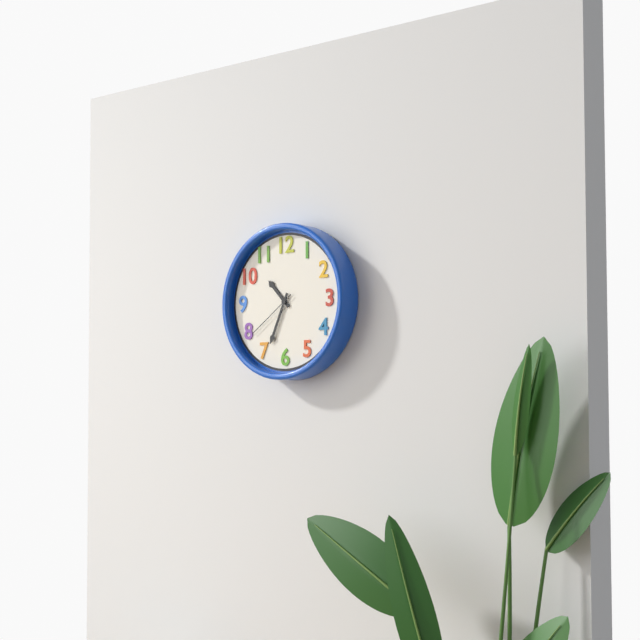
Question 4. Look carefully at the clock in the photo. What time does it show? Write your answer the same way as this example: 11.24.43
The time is 10.34.39
